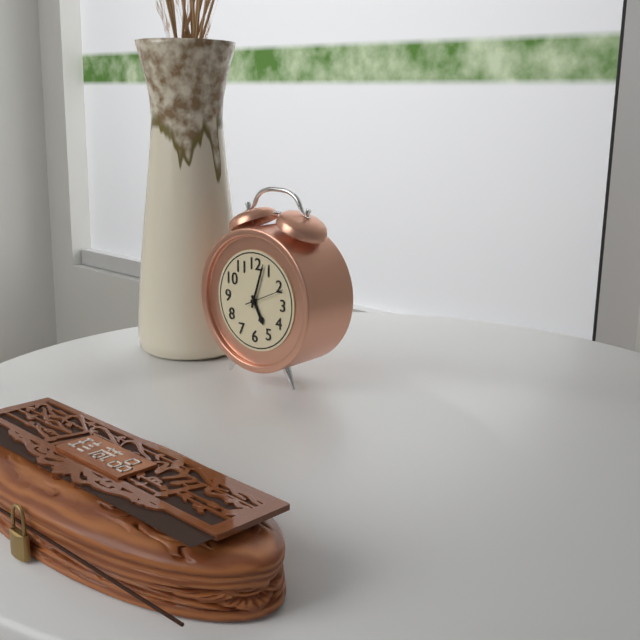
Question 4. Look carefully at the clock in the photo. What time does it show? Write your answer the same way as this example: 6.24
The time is 5.03
